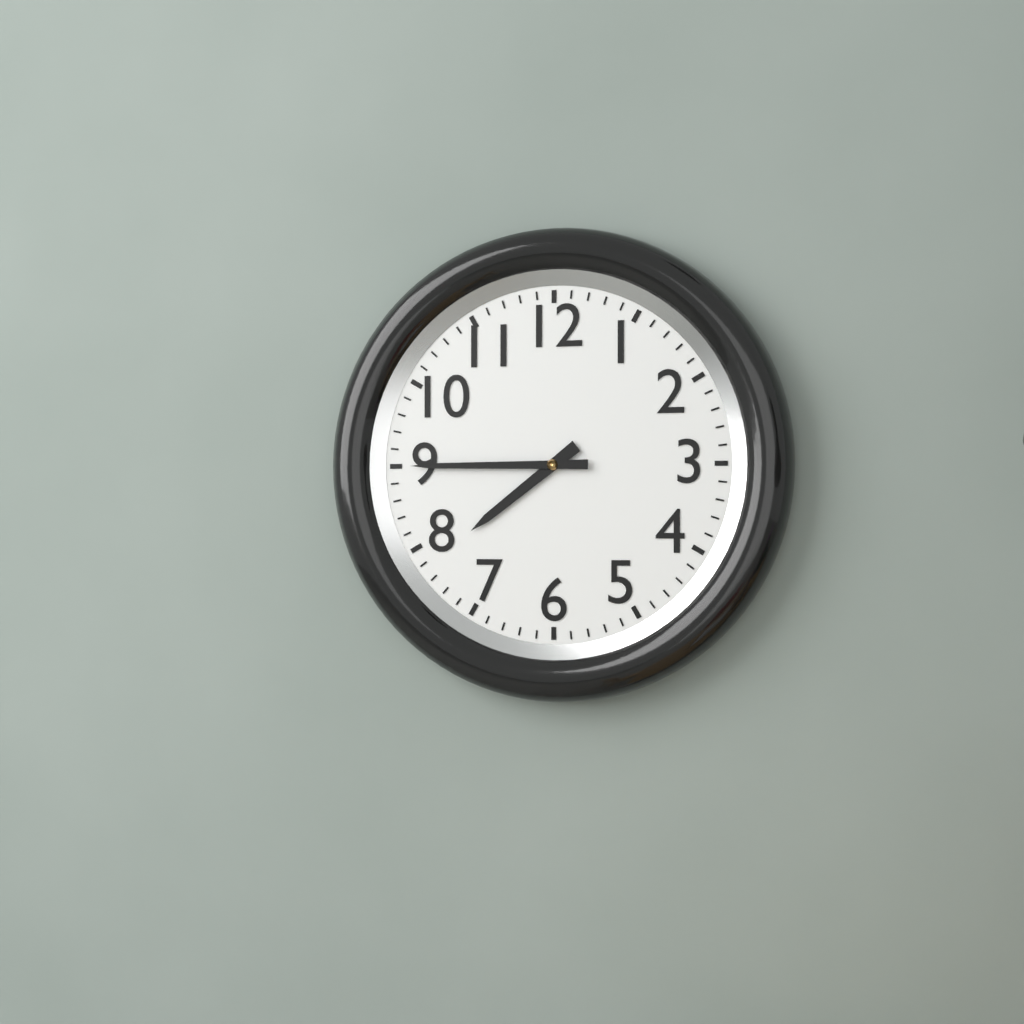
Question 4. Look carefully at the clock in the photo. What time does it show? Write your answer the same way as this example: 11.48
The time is 7.45
